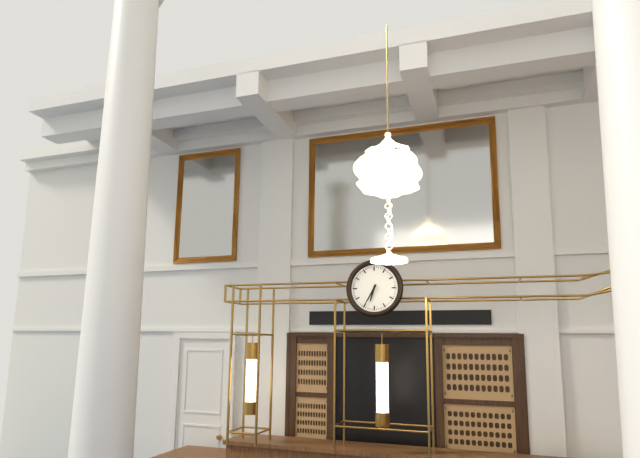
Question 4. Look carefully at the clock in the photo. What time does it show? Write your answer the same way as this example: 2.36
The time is 6.35
